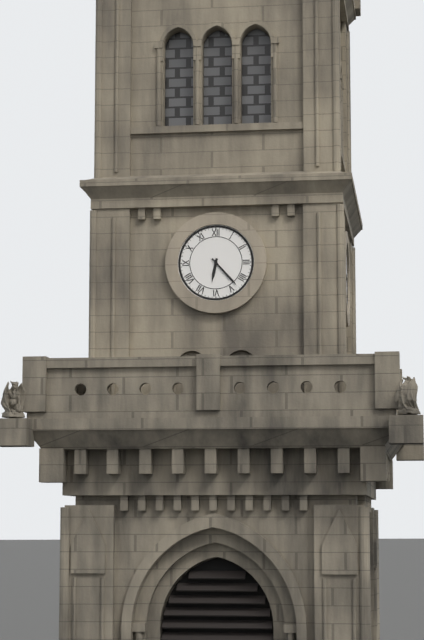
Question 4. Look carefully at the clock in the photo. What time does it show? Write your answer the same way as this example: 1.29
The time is 6.23
